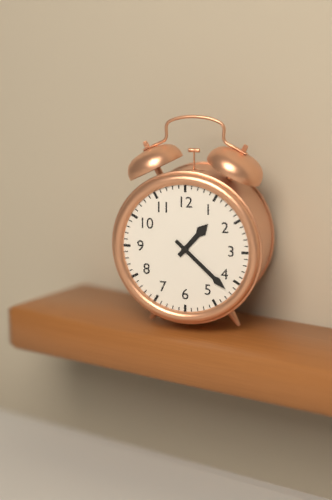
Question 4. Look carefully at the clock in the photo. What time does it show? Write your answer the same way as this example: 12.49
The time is 1.22
